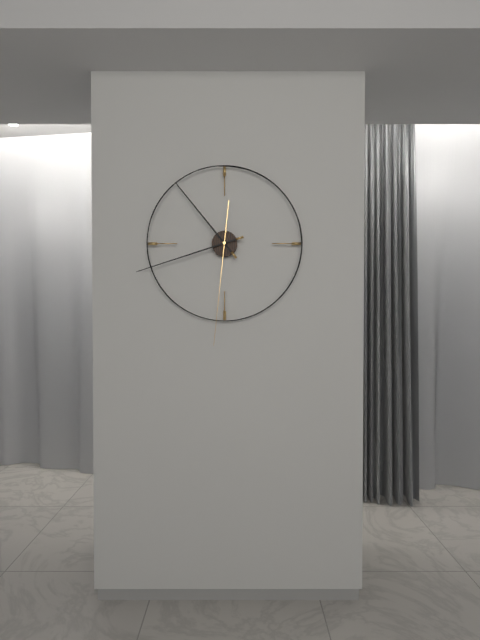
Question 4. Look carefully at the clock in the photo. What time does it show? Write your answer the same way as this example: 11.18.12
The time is 10.42.31
